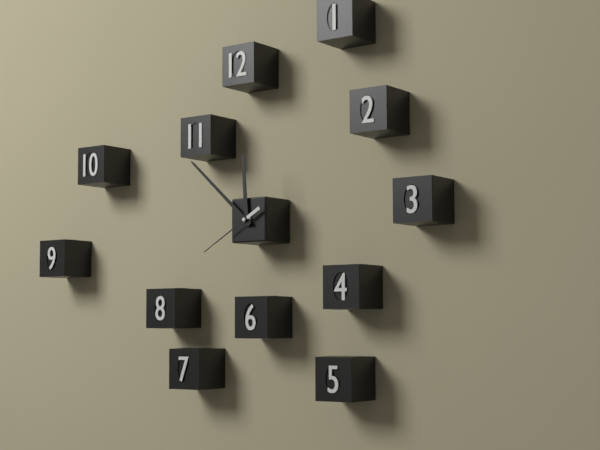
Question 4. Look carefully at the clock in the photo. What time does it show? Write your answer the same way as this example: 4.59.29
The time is 11.52.40
